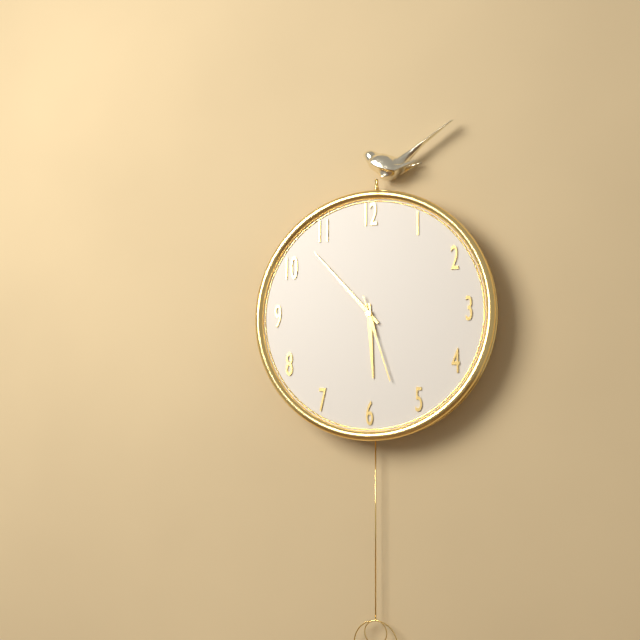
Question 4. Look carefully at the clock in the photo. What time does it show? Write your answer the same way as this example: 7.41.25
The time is 5.53.27
